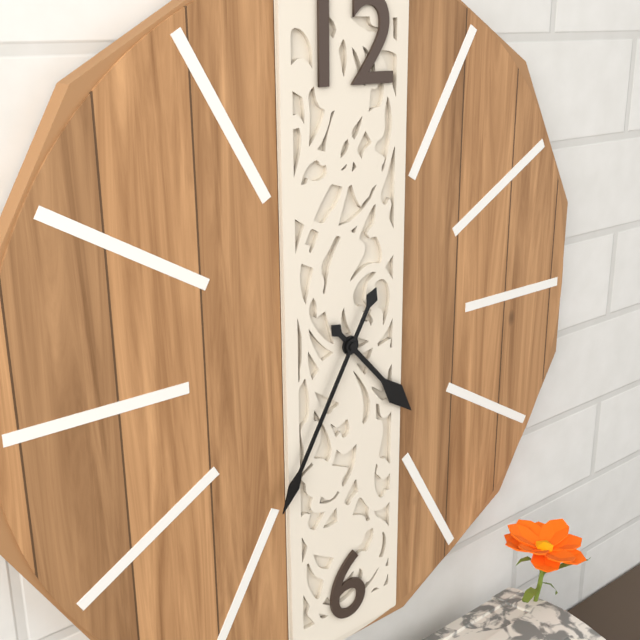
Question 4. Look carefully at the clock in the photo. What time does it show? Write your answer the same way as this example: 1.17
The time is 4.35
